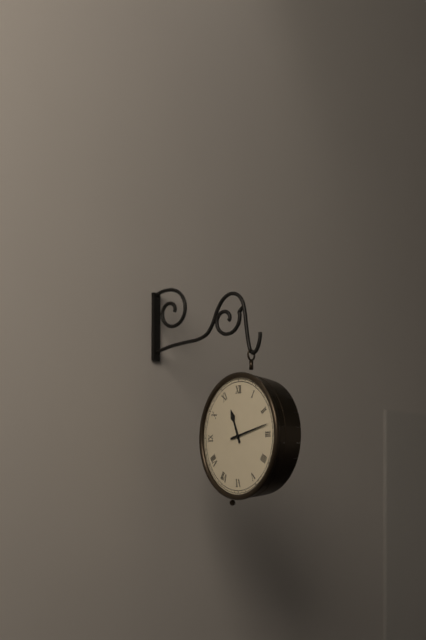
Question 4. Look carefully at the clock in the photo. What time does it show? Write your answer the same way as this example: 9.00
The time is 11.13
